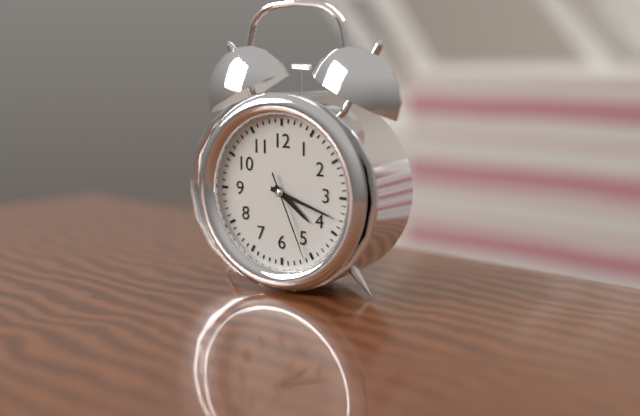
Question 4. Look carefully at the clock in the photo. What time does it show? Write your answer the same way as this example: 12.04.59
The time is 4.18.26
